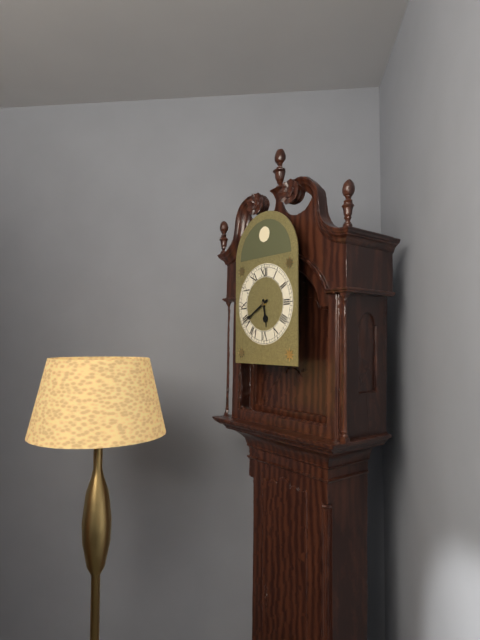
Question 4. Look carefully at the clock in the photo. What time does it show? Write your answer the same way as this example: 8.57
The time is 5.40
